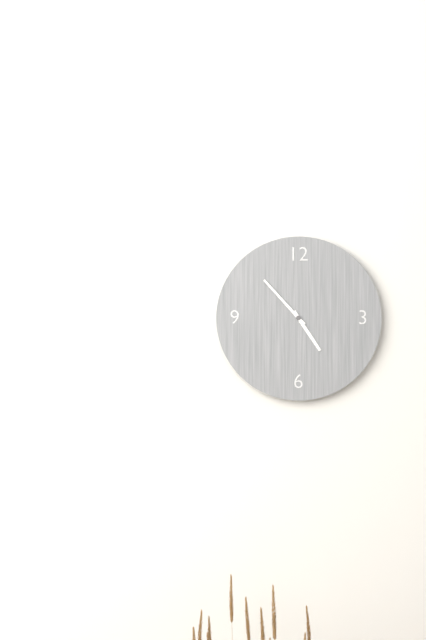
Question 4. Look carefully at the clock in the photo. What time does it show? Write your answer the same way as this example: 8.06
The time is 4.53
